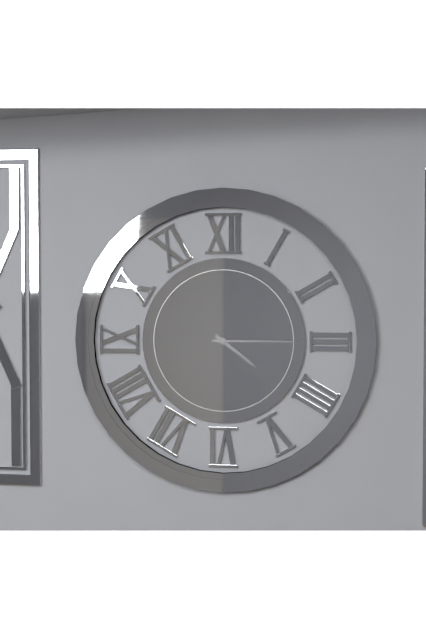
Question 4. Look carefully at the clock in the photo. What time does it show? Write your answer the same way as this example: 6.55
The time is 4.15
